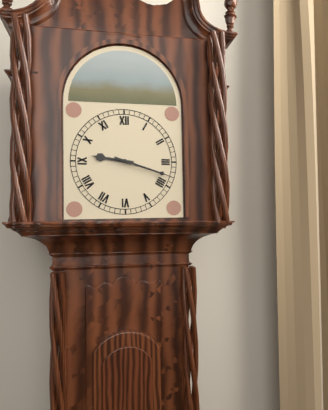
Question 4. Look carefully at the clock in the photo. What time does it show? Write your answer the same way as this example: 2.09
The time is 9.18
